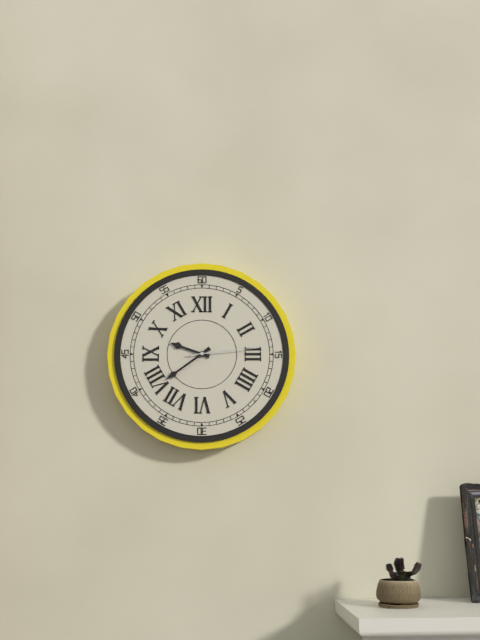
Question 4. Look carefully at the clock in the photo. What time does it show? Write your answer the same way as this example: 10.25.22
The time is 9.39.14
